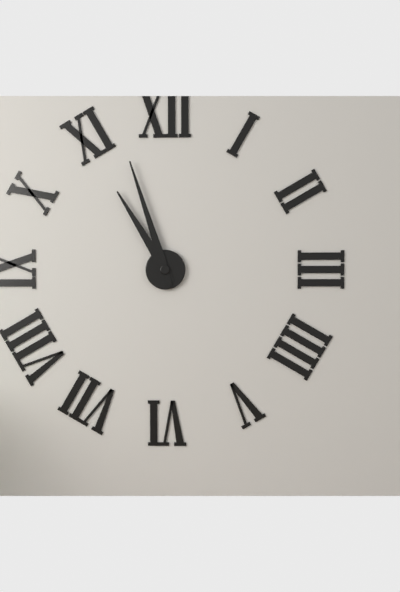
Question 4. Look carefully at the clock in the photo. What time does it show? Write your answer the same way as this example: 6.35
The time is 10.57
